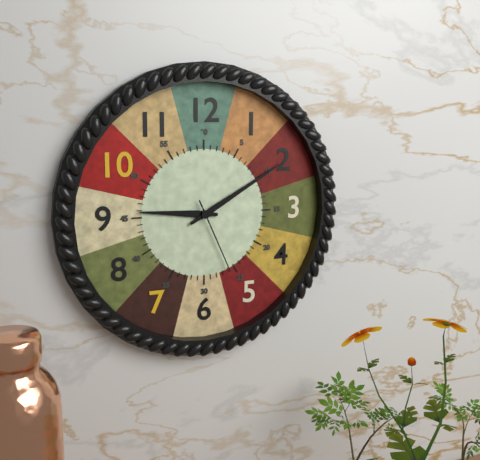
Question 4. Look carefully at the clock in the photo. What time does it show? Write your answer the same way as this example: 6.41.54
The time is 9.10.26
